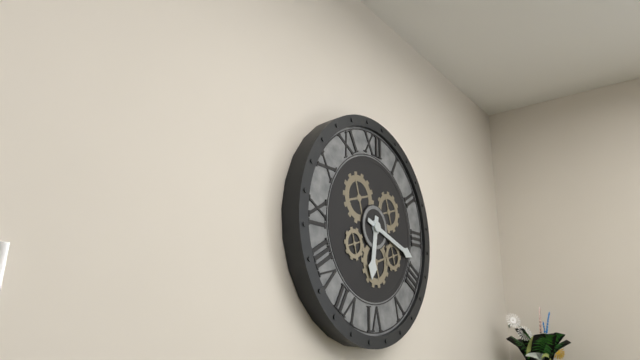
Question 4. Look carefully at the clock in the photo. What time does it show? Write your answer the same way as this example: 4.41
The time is 6.18
